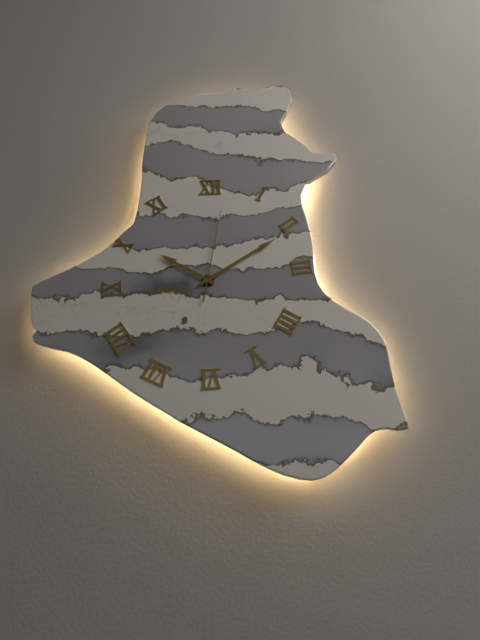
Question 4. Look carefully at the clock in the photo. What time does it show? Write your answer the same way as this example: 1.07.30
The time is 10.10.02
